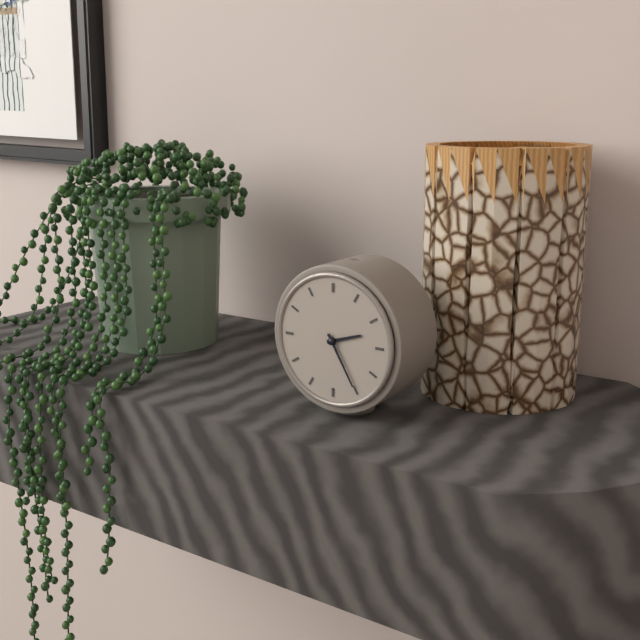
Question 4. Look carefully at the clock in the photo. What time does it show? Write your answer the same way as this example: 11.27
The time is 2.25
